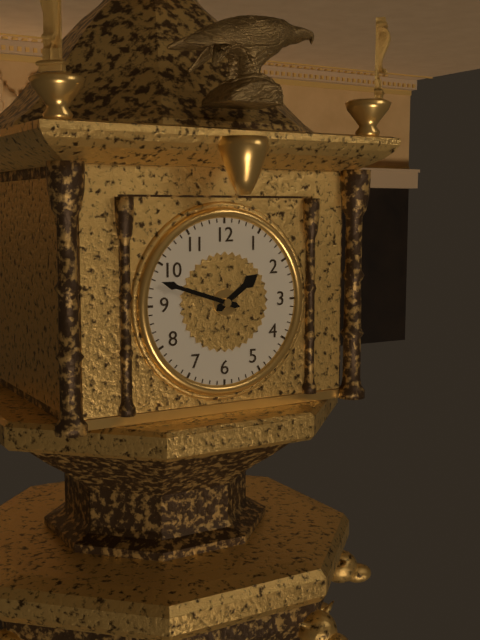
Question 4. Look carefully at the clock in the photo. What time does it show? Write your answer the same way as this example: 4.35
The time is 1.48
